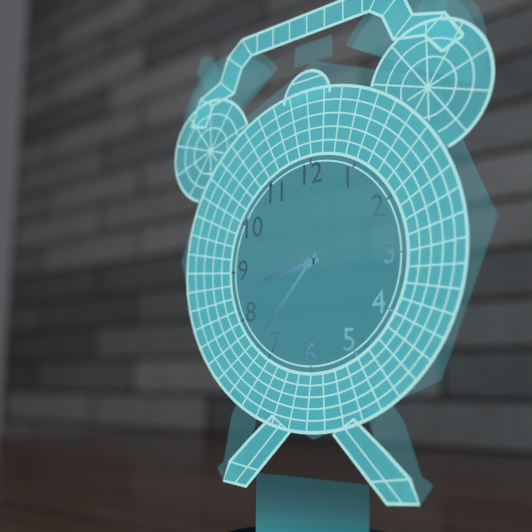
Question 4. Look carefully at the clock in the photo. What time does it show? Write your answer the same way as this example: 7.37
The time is 8.37
